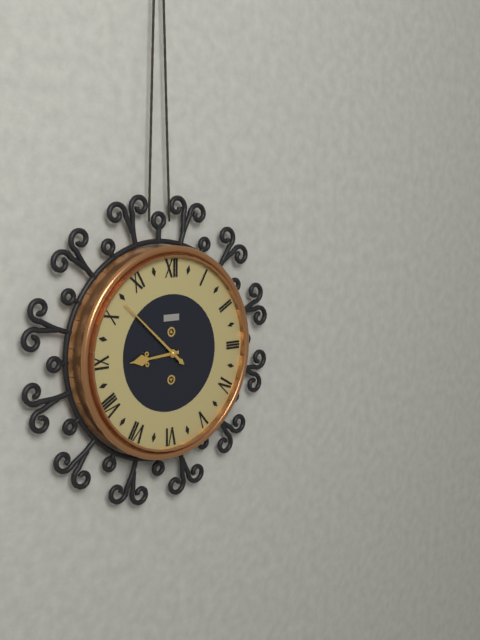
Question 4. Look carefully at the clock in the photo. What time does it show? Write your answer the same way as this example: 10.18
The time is 8.52
